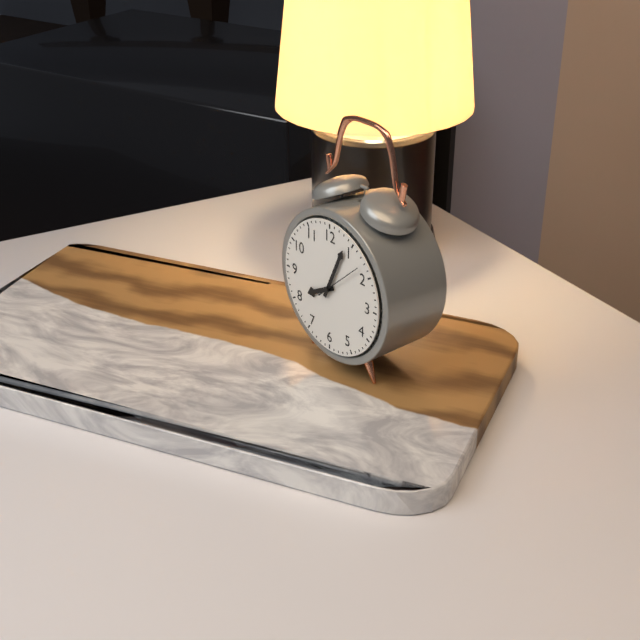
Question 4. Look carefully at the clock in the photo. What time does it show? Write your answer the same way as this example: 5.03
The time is 8.04
